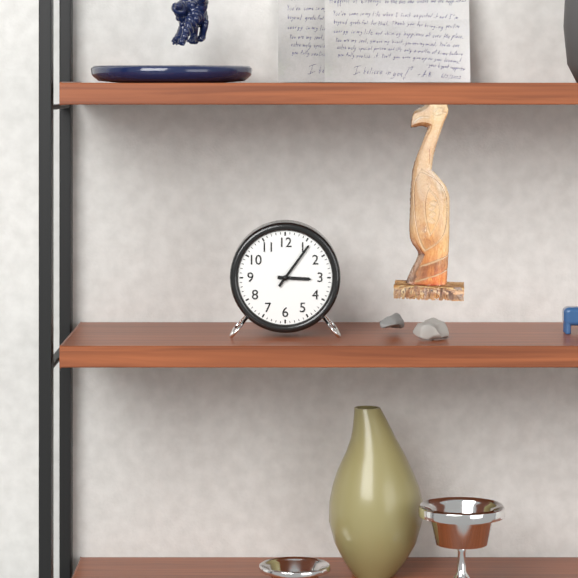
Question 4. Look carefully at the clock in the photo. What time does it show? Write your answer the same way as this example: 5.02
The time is 3.06
